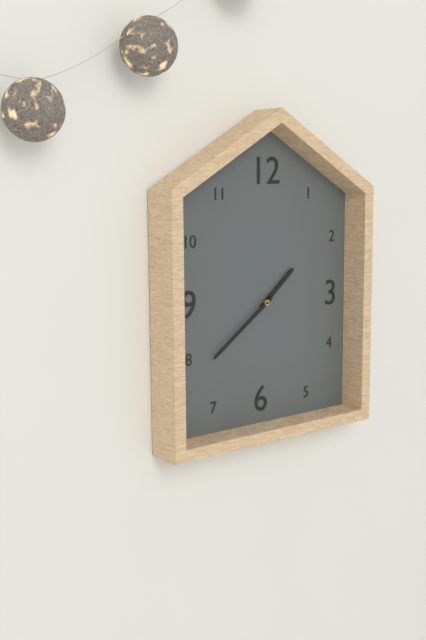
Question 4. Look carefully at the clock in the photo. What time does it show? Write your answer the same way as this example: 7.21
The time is 1.39
